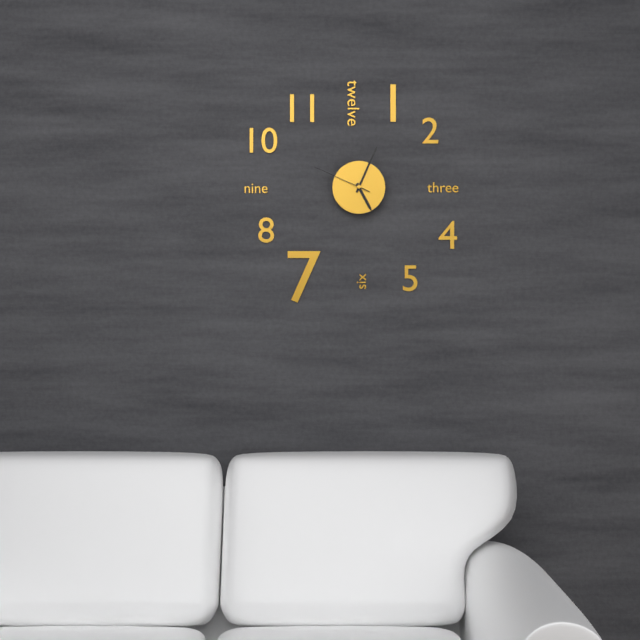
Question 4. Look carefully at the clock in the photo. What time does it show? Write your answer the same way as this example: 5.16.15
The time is 5.04.49
